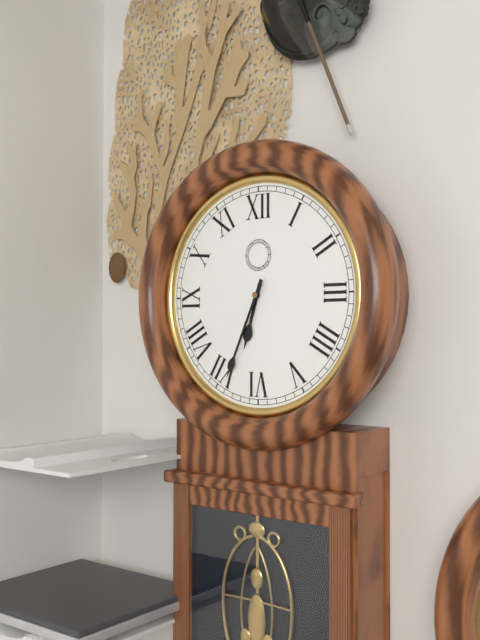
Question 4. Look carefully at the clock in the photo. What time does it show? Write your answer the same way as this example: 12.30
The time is 6.34
